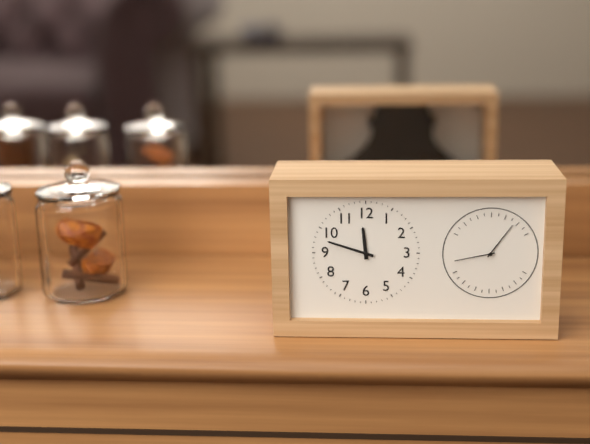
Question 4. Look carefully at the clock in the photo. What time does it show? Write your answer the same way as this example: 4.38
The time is 11.48
